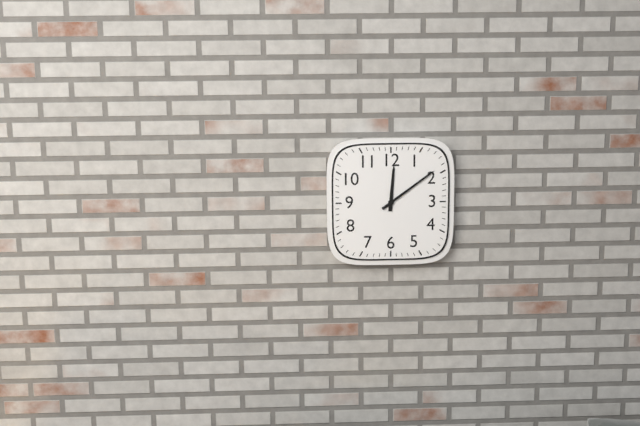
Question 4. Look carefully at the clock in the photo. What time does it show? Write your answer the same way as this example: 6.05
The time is 12.09
